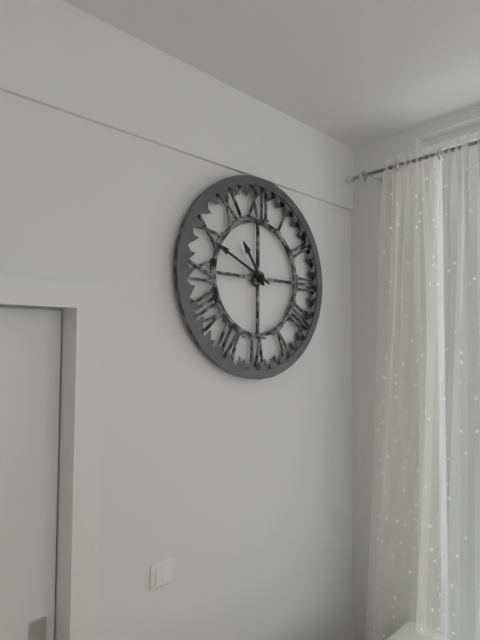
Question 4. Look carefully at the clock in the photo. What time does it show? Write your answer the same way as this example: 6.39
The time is 10.49
